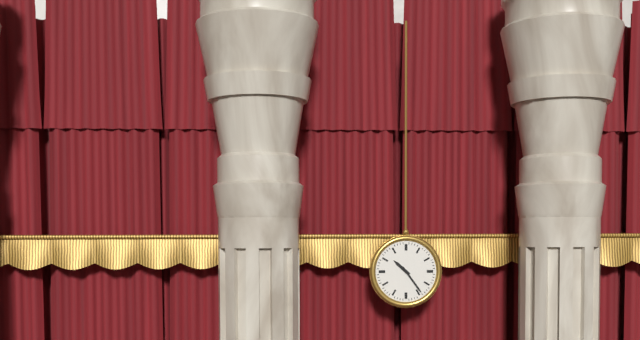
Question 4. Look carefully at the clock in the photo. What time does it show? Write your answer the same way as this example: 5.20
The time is 10.24
